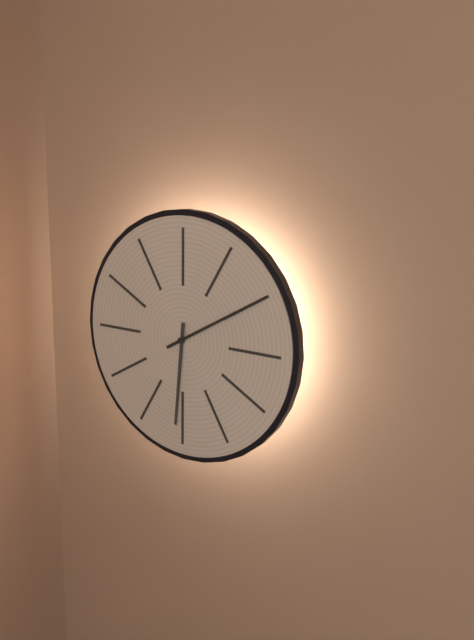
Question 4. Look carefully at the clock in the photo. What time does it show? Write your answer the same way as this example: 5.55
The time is 6.10
